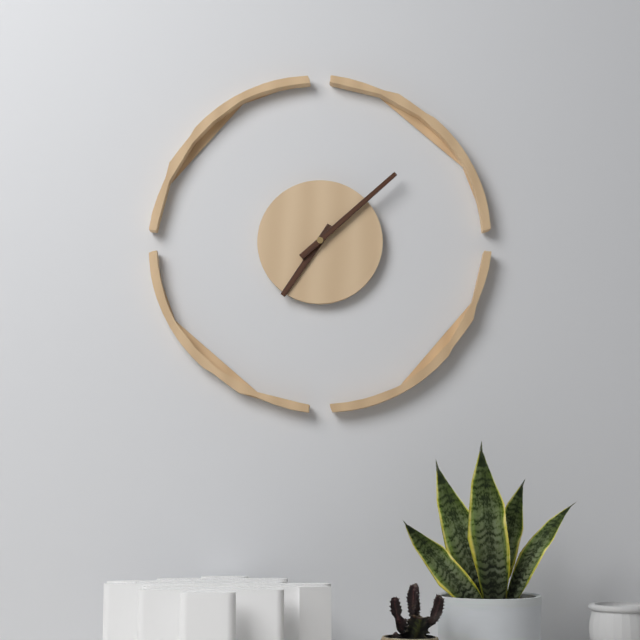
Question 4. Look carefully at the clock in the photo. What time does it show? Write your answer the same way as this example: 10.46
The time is 7.08
